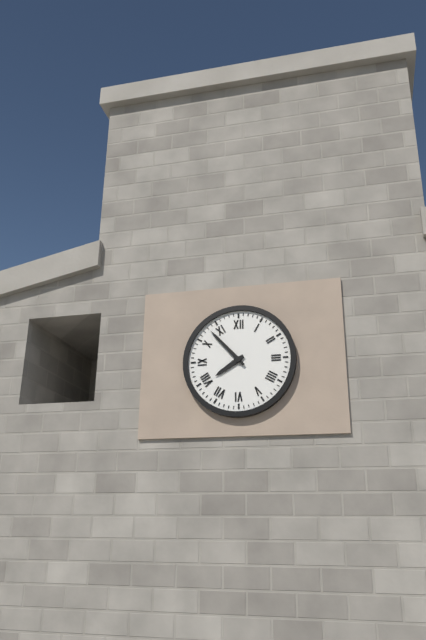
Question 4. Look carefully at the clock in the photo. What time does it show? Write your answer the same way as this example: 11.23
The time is 7.53
